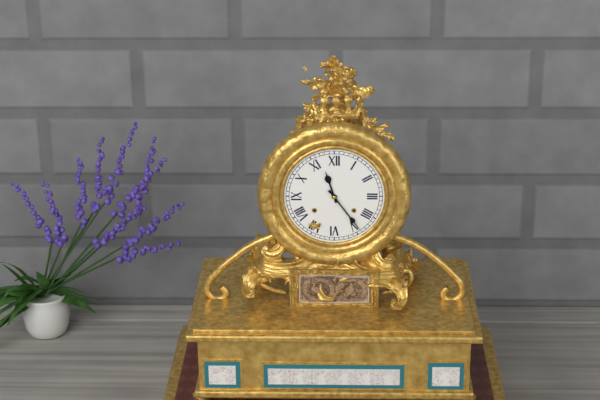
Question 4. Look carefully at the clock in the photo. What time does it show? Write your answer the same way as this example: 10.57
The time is 11.24
